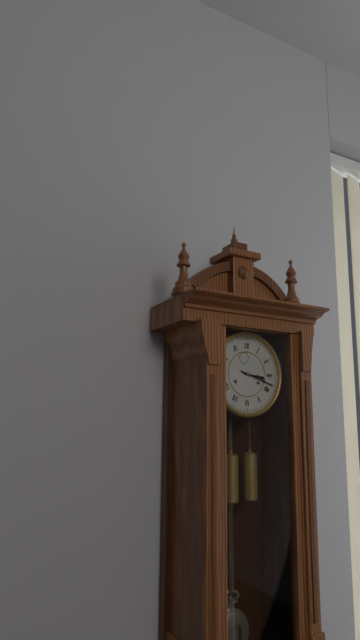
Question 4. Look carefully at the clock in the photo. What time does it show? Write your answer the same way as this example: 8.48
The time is 3.18
